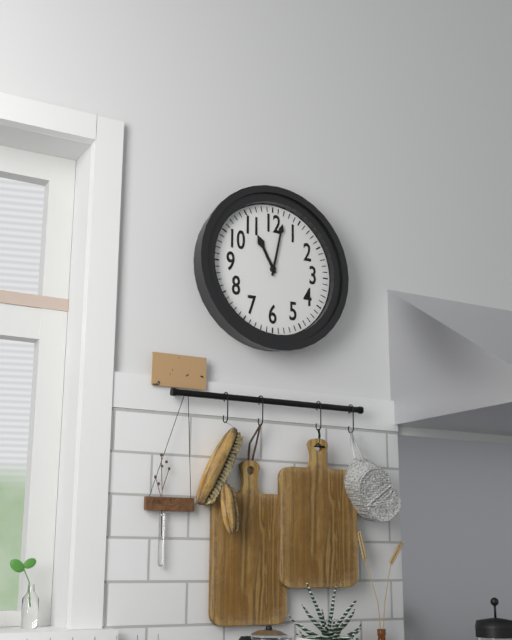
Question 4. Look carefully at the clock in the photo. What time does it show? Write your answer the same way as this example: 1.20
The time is 11.02
